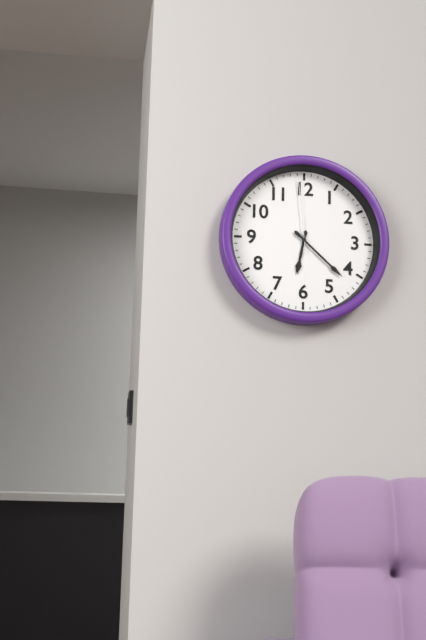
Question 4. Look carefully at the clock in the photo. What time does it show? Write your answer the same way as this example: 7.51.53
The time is 6.22.59
